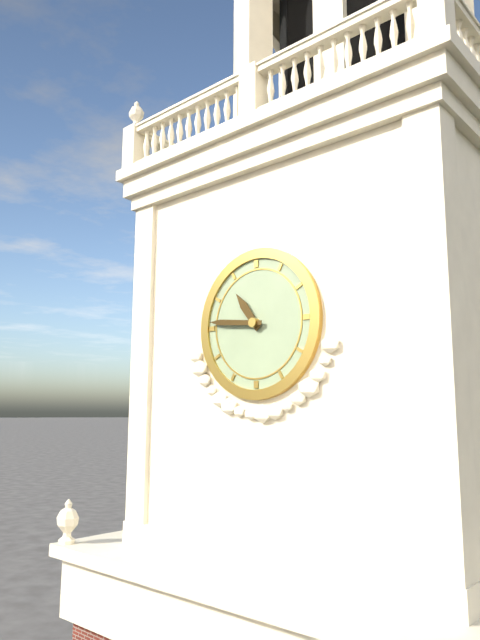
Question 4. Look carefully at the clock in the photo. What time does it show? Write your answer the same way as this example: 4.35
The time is 10.46
